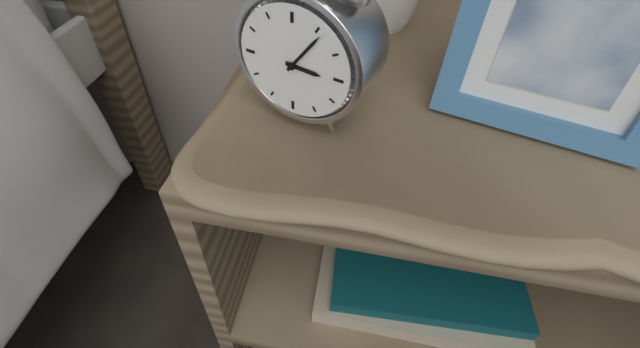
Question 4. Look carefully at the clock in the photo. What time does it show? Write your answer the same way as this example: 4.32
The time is 3.06
